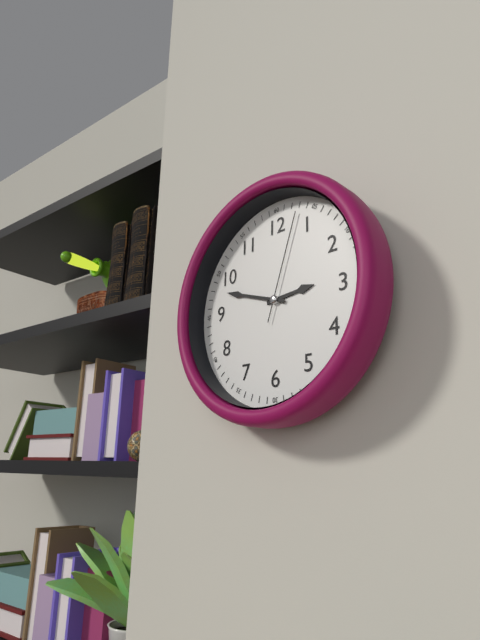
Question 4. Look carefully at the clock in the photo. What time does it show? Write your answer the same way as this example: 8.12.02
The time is 2.48.03
